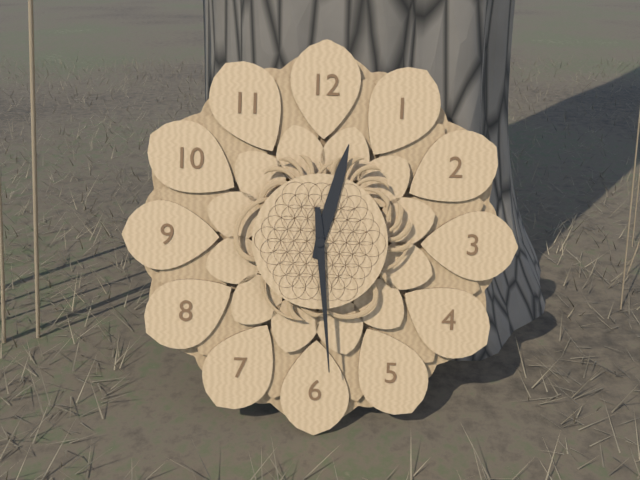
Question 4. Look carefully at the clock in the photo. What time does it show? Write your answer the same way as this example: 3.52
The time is 12.29
